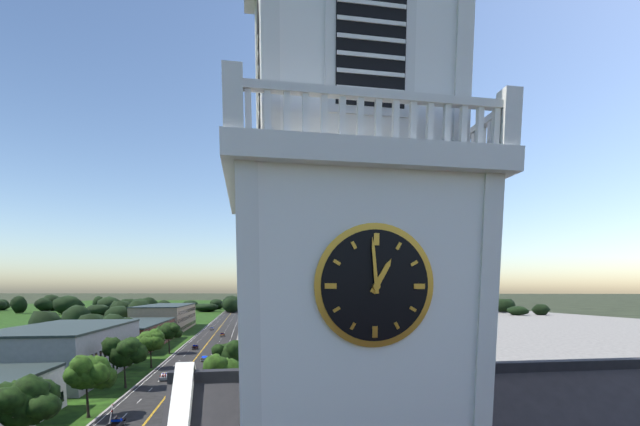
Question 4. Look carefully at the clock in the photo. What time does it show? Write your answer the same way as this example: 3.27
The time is 12.59
